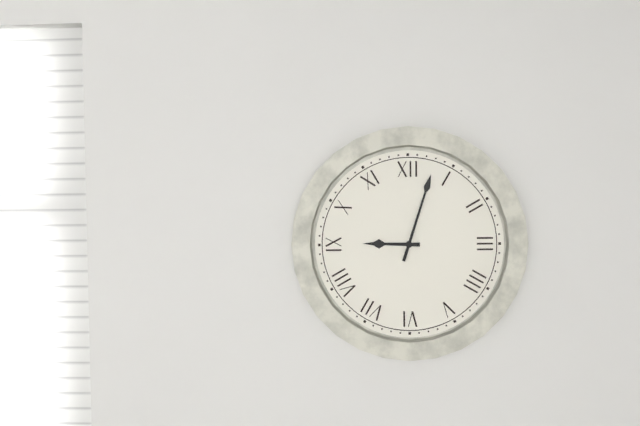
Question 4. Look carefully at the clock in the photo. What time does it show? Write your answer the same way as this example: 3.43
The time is 9.03
